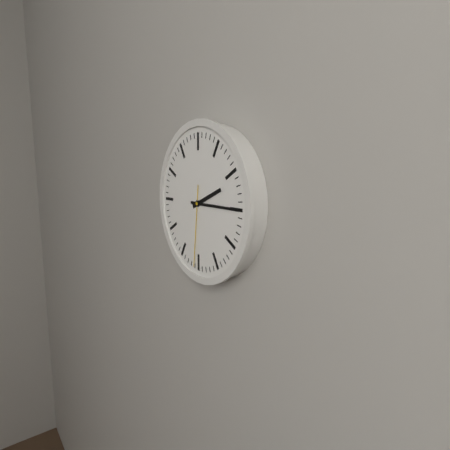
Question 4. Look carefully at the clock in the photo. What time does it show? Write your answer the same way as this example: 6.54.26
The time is 2.15.31
